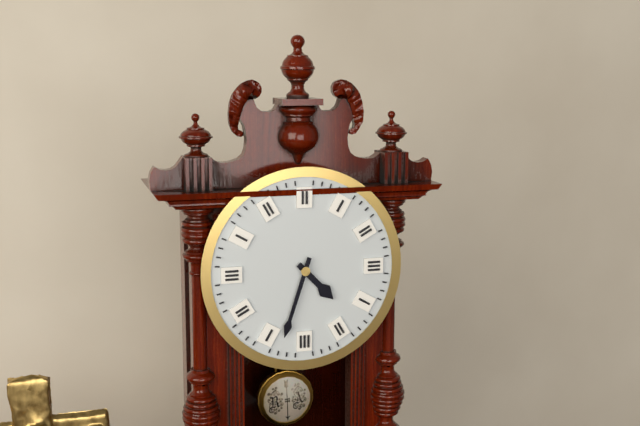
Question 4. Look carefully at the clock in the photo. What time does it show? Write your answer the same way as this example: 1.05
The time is 4.33
